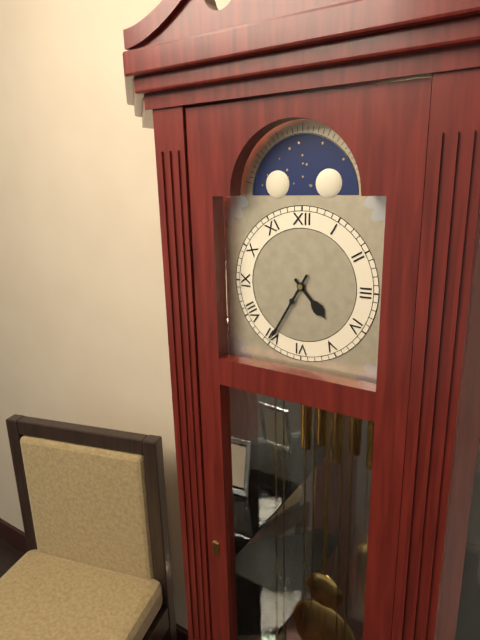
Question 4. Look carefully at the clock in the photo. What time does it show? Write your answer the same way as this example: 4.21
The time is 4.35
